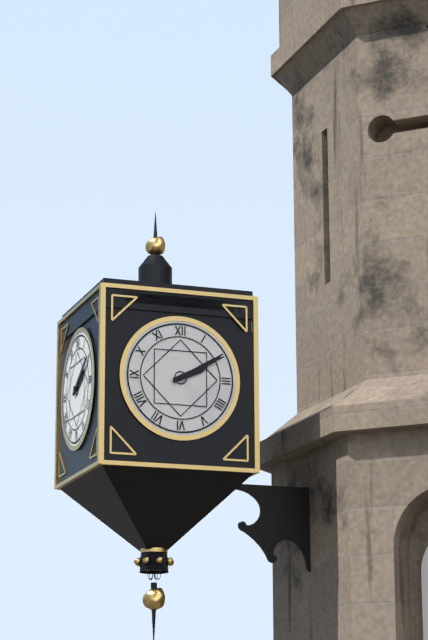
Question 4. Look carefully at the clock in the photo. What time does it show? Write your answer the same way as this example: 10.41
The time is 2.10
